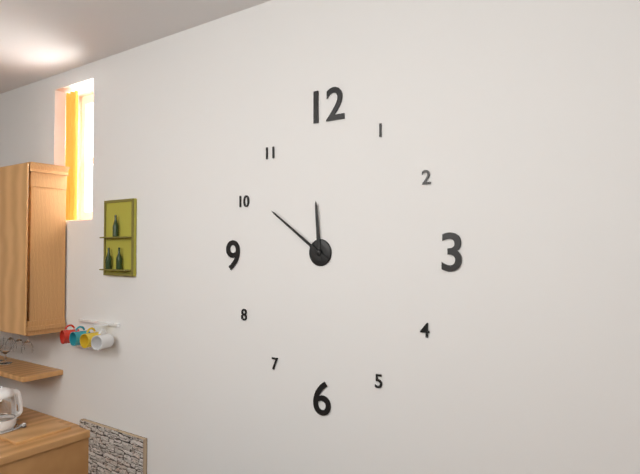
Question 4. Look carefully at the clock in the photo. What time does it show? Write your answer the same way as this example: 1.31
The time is 11.51
